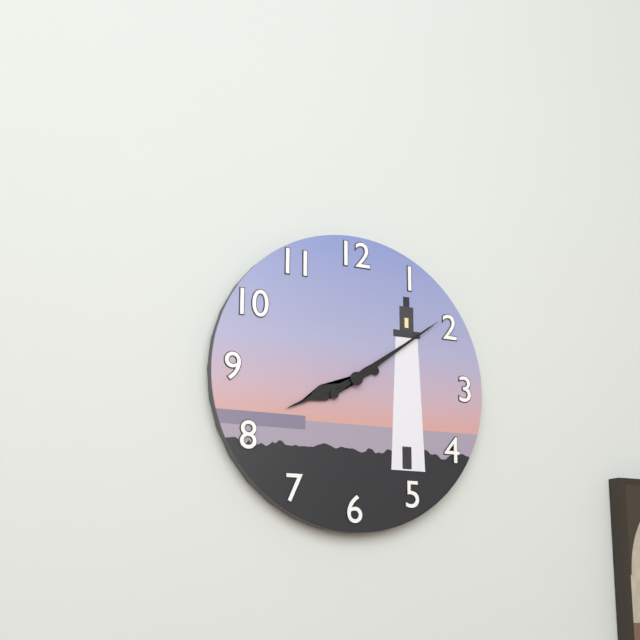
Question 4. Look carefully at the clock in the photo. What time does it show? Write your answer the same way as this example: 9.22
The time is 8.09
